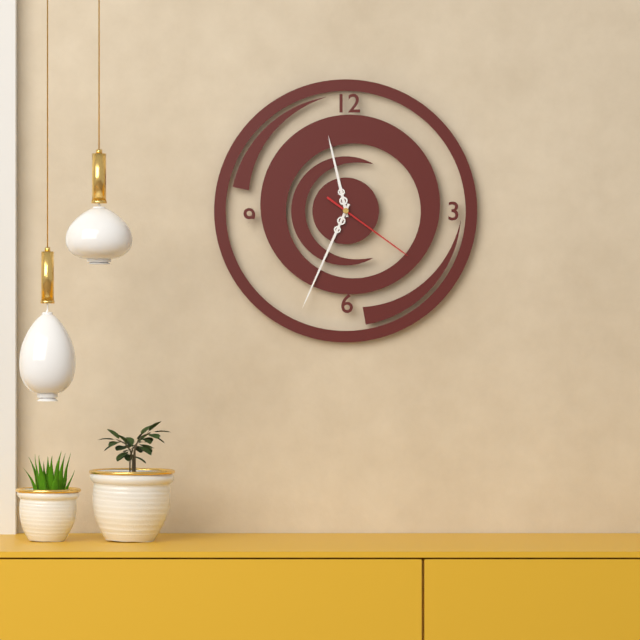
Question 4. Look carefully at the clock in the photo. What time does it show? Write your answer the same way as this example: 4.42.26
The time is 11.34.21
